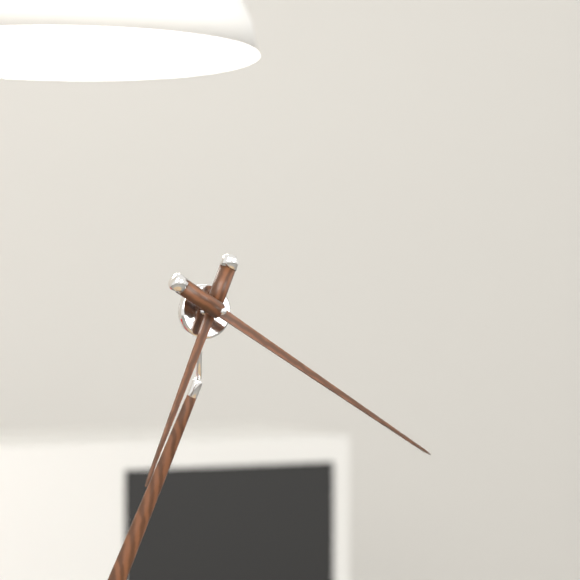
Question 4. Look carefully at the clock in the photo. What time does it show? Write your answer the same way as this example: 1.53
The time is 6.18
